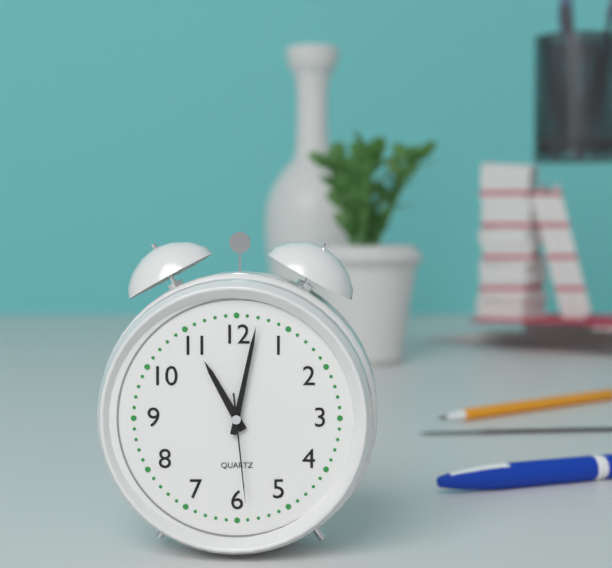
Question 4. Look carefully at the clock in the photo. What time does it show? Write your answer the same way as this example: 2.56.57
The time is 11.02.29
